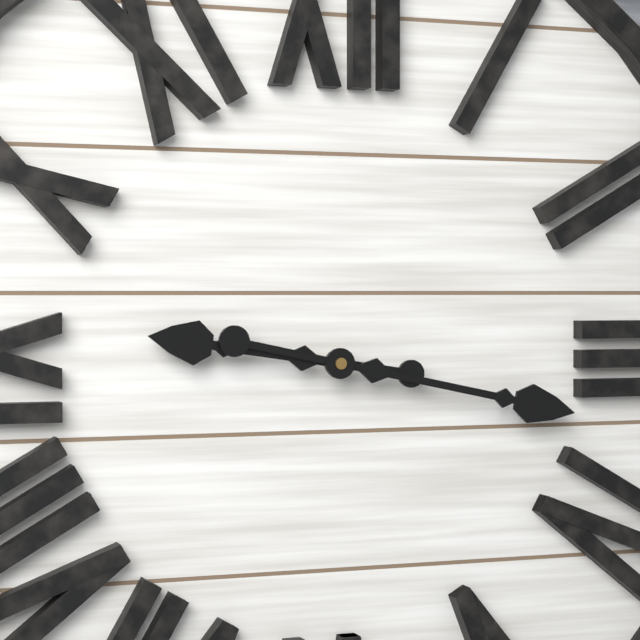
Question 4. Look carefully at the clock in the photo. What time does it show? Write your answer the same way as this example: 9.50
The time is 9.17
